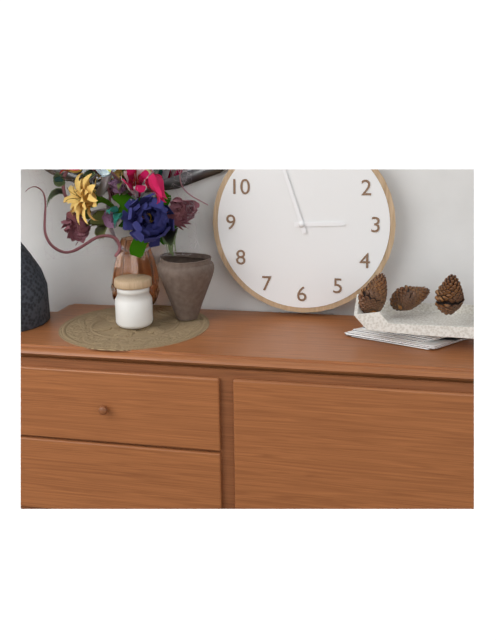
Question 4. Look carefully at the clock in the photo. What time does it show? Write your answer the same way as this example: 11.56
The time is 2.57
